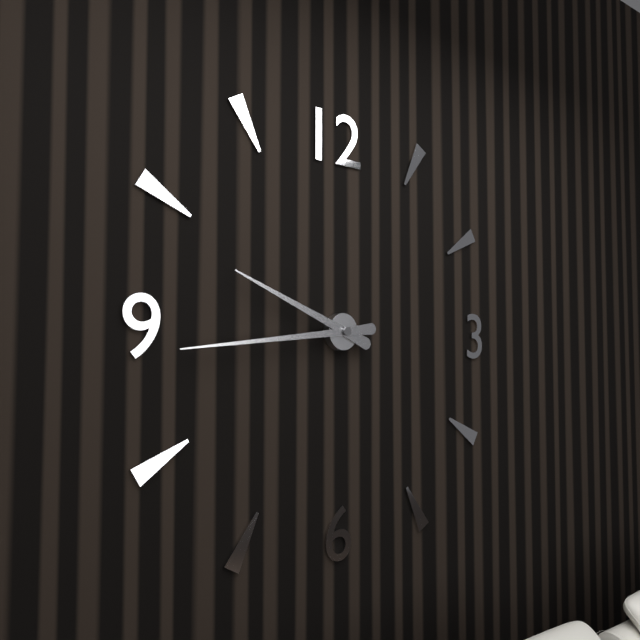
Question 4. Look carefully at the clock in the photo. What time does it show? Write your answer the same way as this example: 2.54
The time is 9.44
